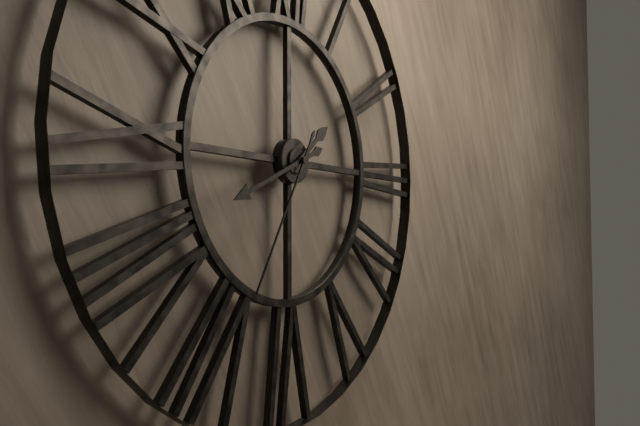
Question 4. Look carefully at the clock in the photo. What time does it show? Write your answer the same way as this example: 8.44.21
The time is 1.41.35
